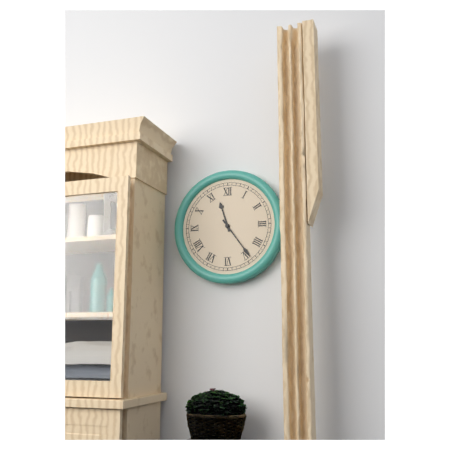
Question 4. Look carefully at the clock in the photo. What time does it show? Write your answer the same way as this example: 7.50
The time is 11.24
